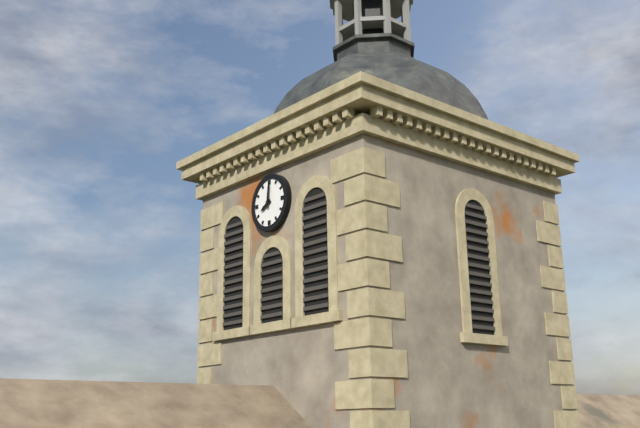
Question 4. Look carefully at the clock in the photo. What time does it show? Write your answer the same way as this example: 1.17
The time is 8.01
